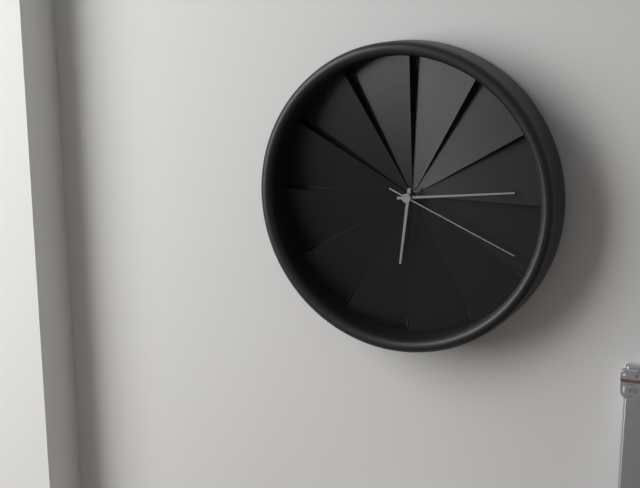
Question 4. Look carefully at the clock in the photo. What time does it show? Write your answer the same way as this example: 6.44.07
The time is 6.14.19
